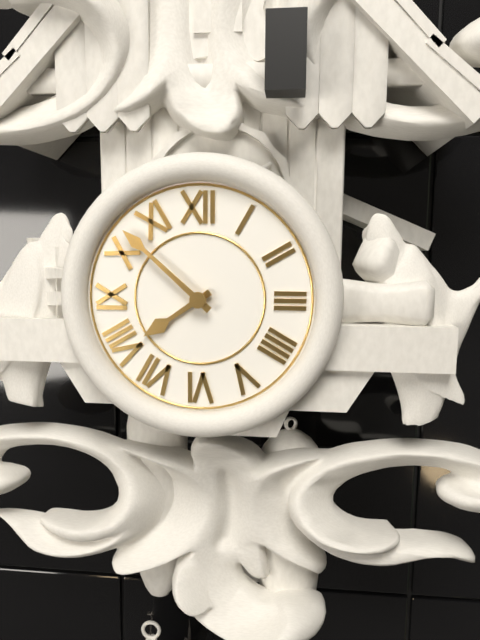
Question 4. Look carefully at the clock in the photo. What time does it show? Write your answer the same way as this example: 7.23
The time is 7.52
